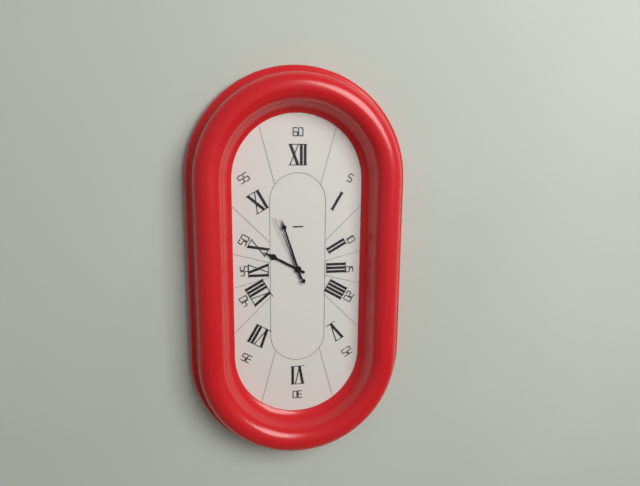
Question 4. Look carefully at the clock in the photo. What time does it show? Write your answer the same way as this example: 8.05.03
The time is 9.57.56
